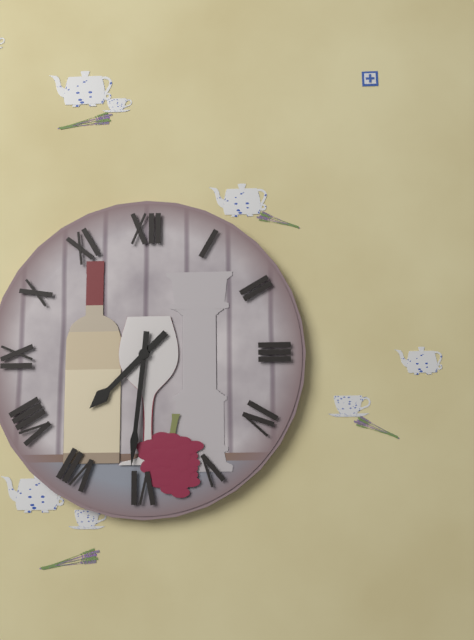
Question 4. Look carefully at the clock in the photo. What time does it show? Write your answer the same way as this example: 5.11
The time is 7.31
